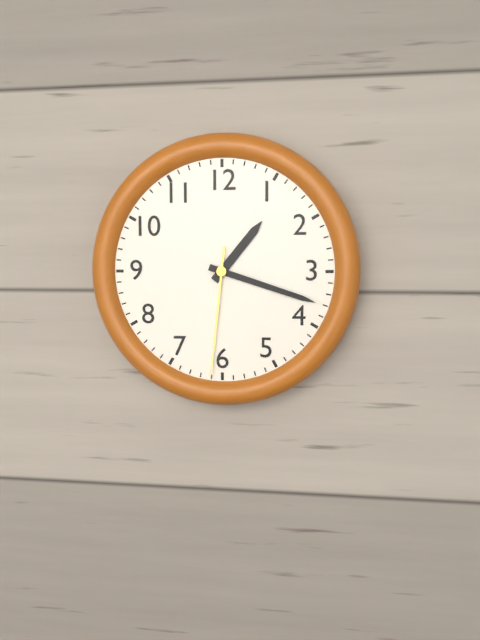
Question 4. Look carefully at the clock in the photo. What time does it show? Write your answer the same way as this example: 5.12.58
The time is 1.18.31
